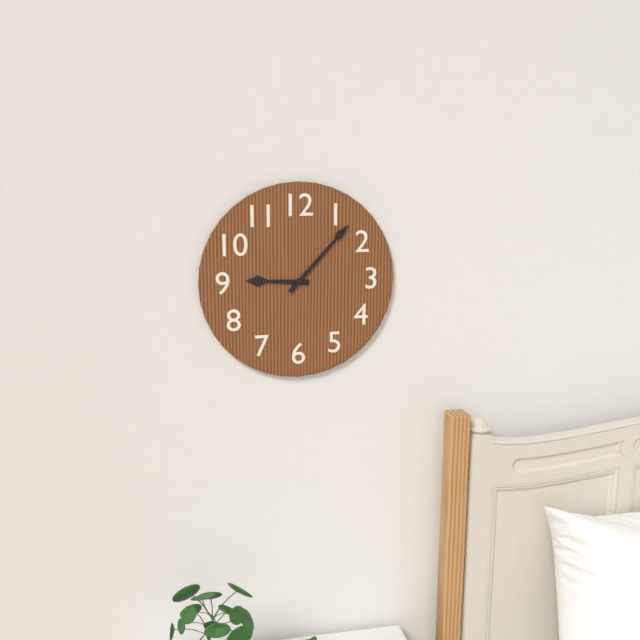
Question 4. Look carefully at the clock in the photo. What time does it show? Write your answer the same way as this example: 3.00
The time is 9.07
